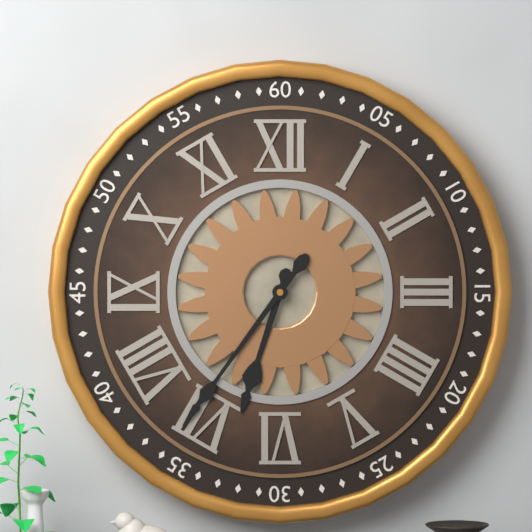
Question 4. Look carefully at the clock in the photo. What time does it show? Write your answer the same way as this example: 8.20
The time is 6.36
